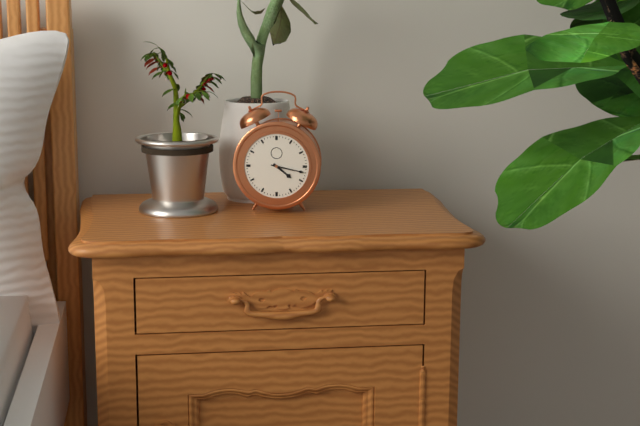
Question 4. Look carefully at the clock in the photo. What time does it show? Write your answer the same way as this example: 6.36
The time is 4.17
